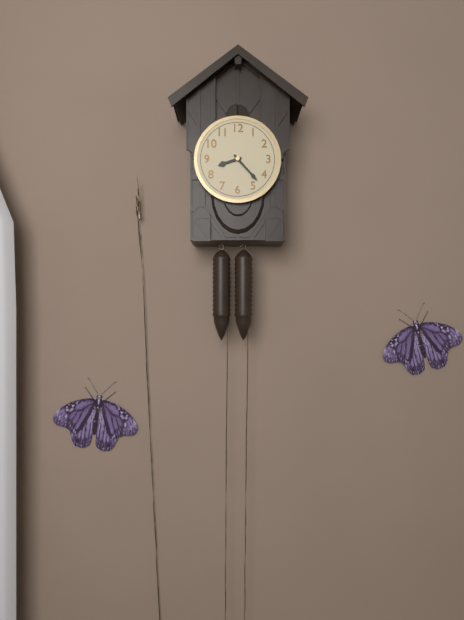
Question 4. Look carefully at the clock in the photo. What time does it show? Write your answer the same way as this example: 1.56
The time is 8.23
